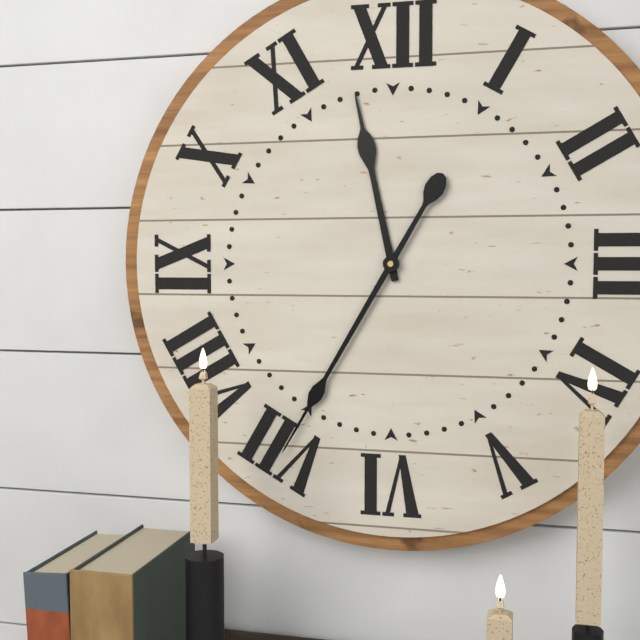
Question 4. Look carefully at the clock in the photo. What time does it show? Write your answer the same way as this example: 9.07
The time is 11.35
